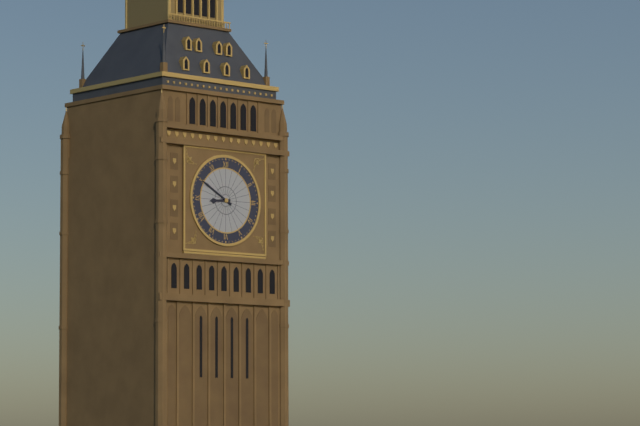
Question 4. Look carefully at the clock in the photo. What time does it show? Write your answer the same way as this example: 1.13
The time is 8.50
